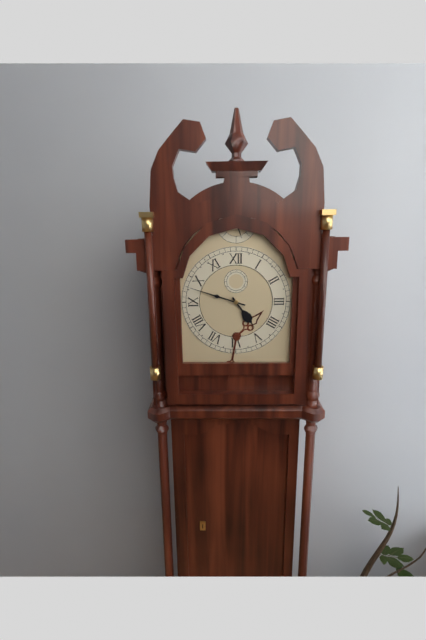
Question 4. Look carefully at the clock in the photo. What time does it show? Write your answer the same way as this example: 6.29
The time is 4.48
